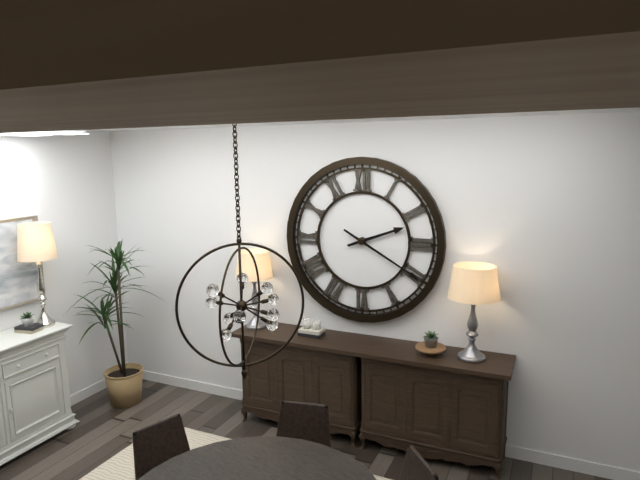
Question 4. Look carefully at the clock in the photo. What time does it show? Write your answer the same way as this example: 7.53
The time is 2.20
